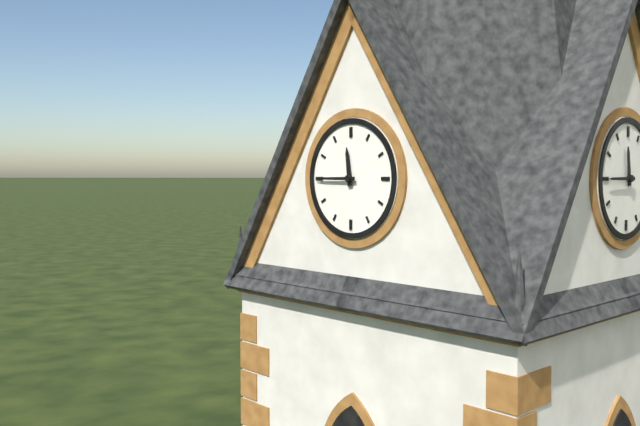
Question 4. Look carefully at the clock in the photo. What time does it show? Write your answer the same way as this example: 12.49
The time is 11.45
